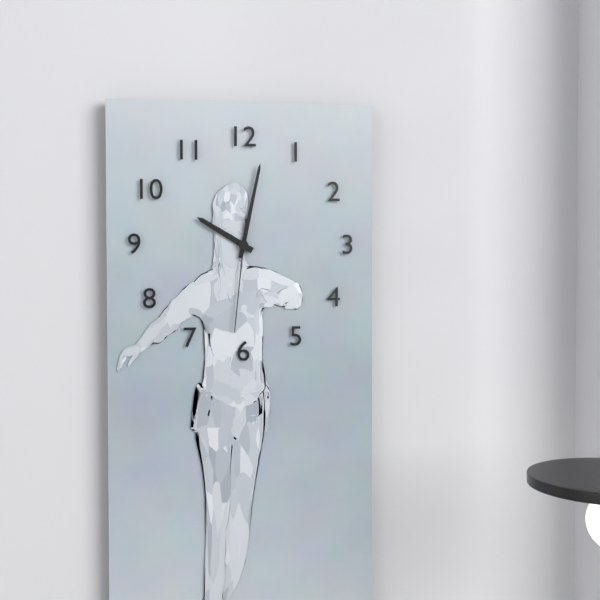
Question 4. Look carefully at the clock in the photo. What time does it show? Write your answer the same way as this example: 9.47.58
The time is 10.02.31
